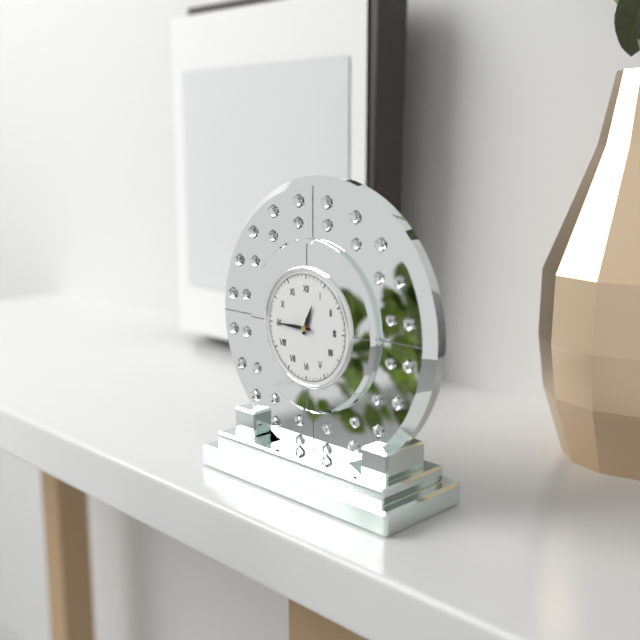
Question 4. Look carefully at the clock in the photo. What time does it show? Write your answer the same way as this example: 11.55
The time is 12.45
